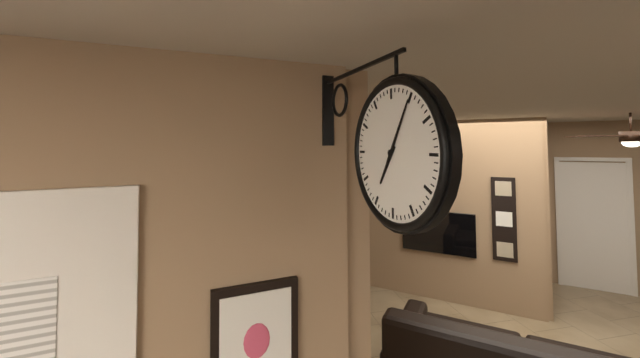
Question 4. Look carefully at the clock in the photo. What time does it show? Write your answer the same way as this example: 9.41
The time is 7.05
